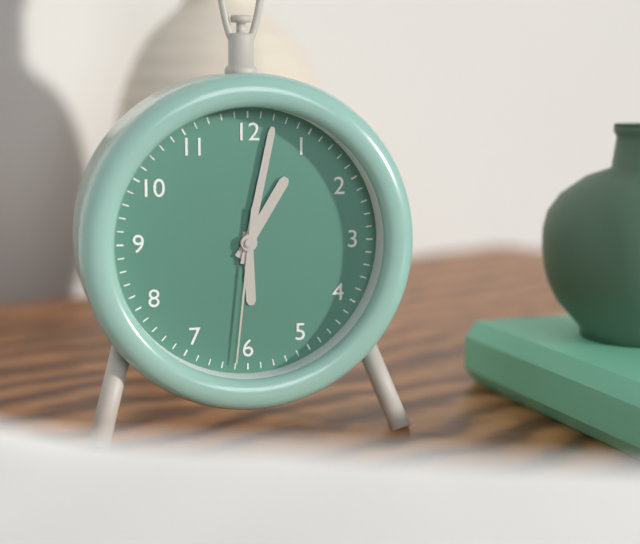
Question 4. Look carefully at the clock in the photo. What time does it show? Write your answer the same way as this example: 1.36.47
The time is 1.02.31
